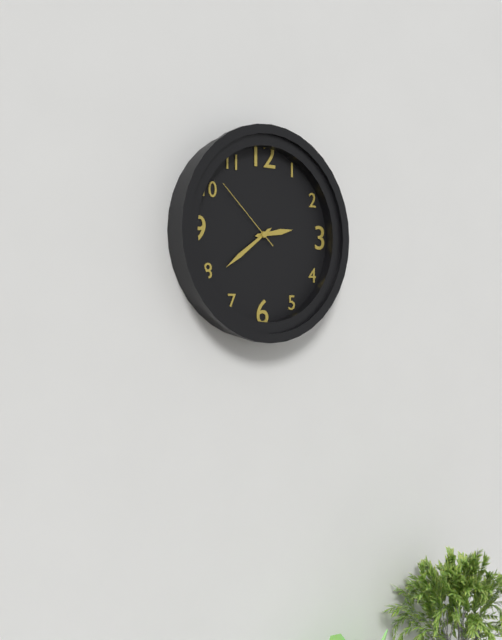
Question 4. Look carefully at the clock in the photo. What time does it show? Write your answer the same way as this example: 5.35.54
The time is 2.39.52
